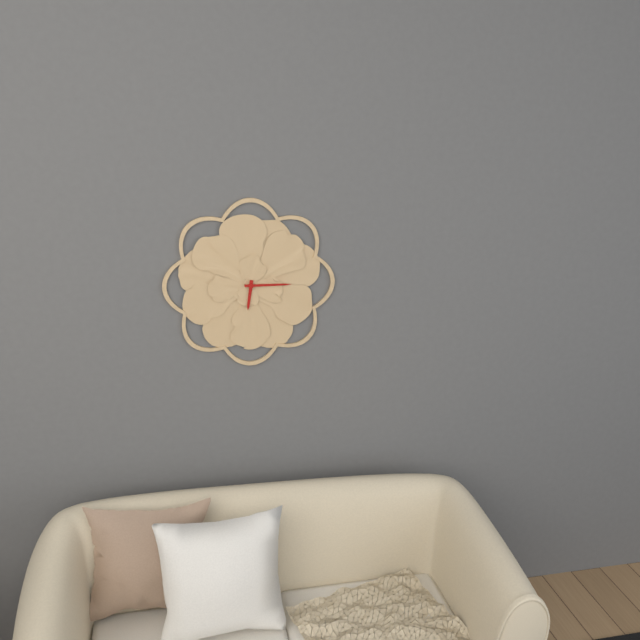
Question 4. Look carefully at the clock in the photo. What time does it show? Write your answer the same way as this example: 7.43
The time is 6.15
